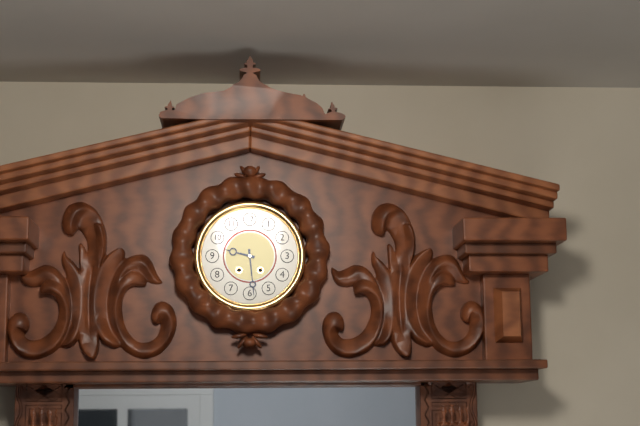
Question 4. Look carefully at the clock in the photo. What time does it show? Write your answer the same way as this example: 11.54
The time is 9.29
